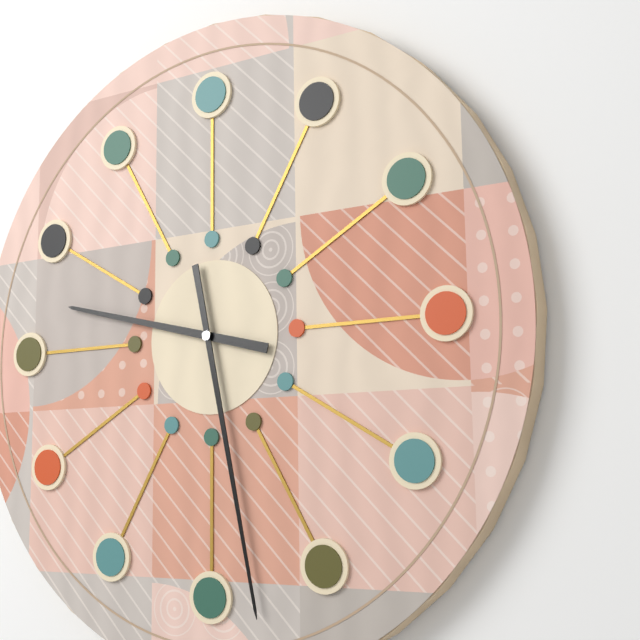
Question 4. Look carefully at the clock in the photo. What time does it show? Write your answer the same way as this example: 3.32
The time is 9.28
